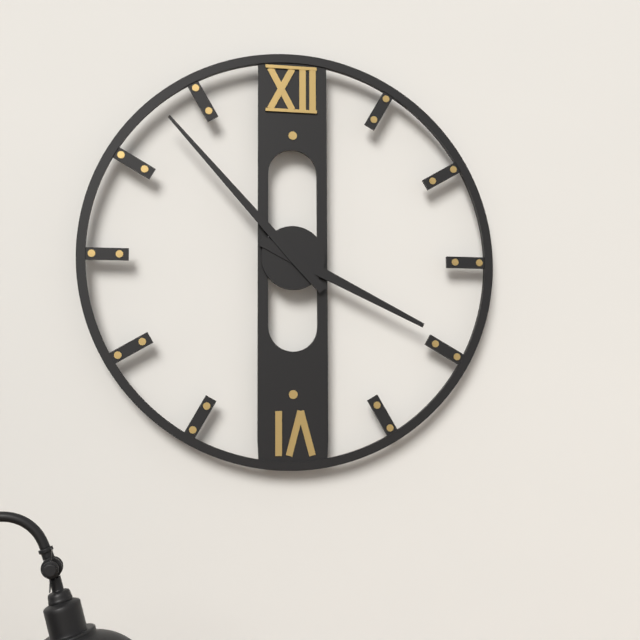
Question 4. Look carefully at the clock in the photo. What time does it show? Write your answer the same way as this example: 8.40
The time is 3.53
